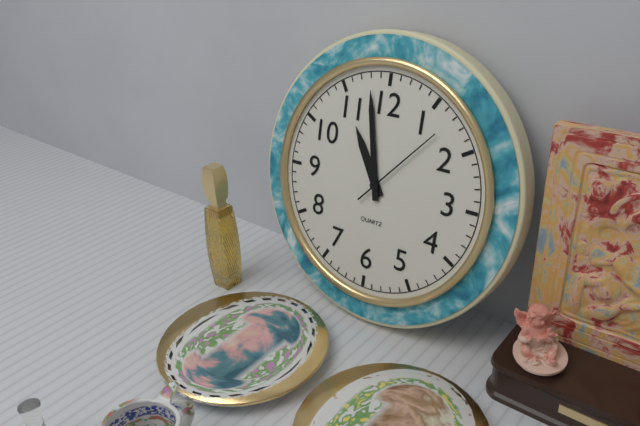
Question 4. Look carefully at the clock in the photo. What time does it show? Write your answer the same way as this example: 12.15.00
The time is 10.58.07
